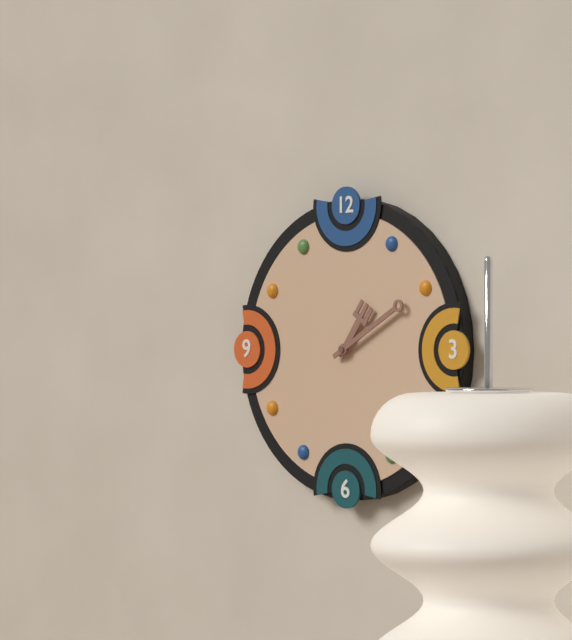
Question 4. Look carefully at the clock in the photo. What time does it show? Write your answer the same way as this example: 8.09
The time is 1.10
